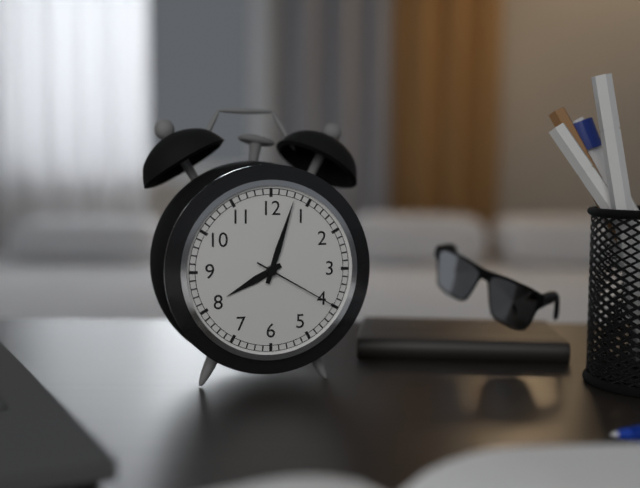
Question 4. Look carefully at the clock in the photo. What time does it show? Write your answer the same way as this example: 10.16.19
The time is 8.03.20
